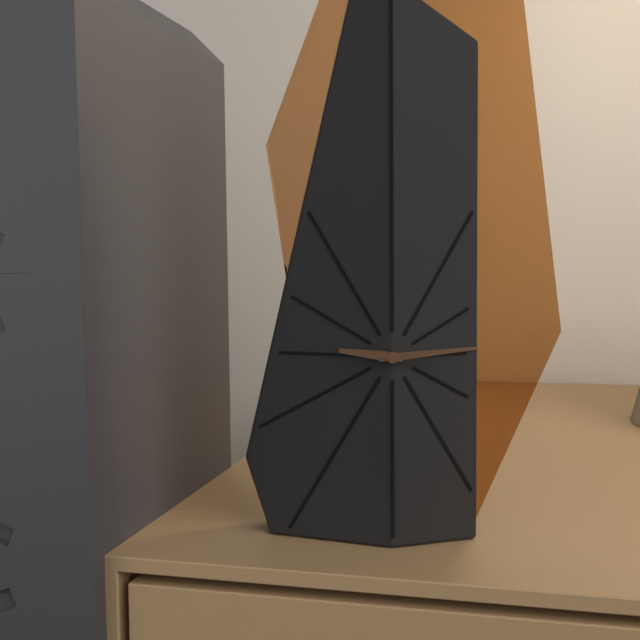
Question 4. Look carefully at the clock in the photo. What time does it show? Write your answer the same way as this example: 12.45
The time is 9.14
